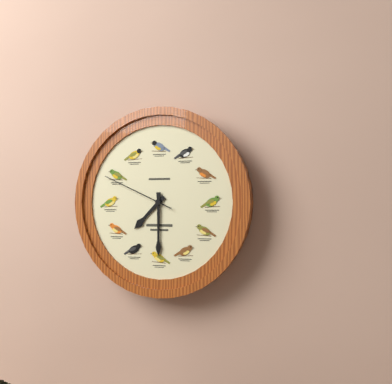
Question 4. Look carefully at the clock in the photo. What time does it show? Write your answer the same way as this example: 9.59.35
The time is 7.30.49
